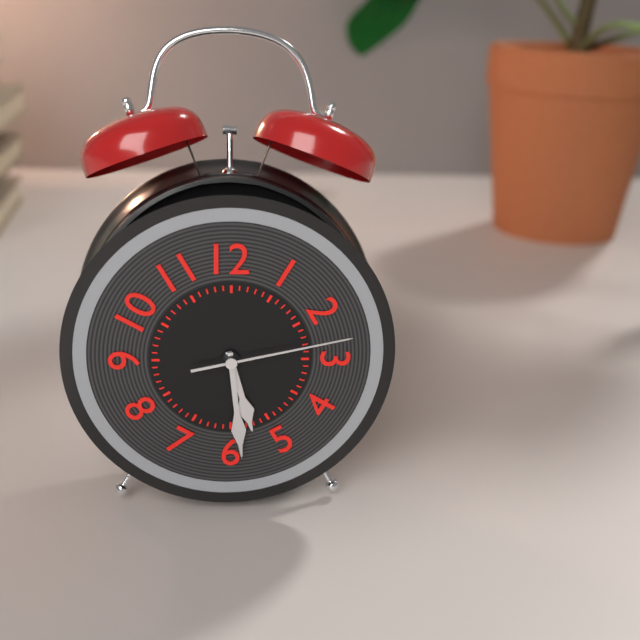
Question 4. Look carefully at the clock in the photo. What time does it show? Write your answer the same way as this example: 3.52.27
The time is 5.29.13
